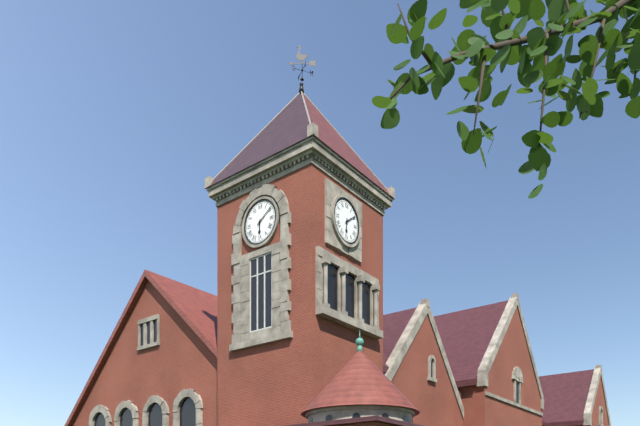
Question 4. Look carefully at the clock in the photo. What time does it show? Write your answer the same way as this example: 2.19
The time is 6.09
